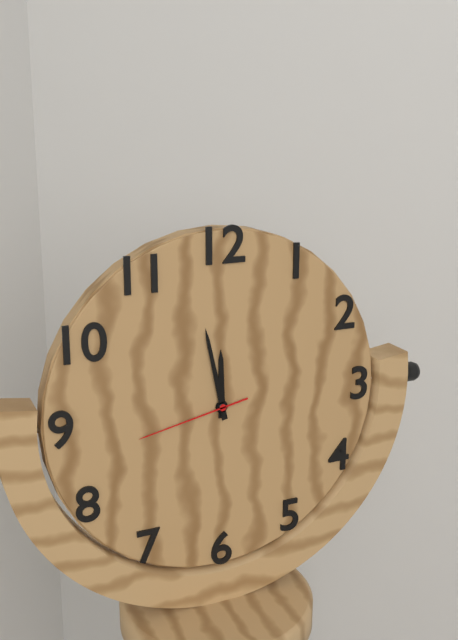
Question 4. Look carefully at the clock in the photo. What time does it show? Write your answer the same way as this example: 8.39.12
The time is 11.58.43
